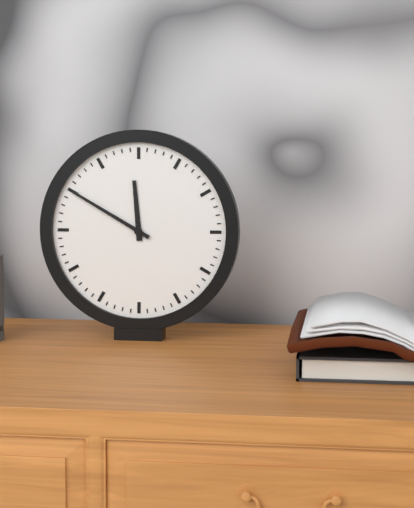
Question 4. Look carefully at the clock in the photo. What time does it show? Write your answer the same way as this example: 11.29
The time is 11.50
